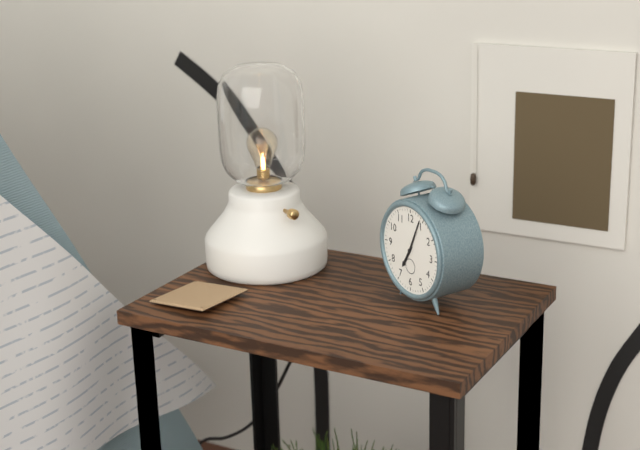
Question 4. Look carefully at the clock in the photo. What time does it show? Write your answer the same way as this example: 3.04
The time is 7.04
